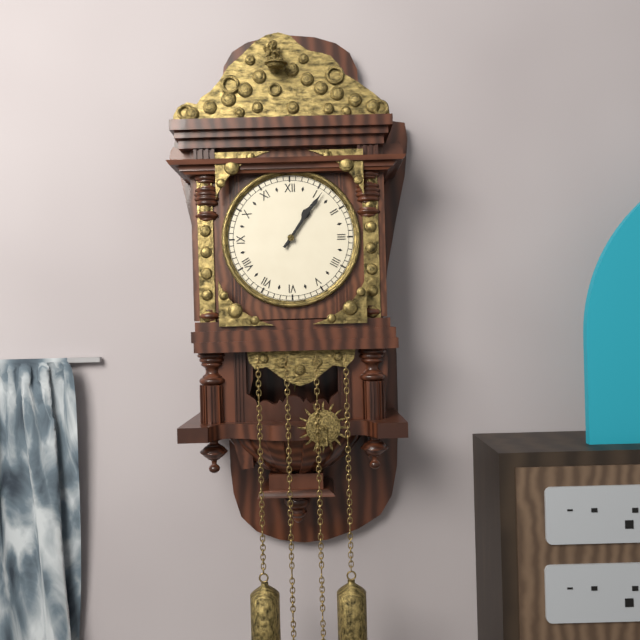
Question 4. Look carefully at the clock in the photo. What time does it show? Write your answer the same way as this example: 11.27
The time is 1.06
